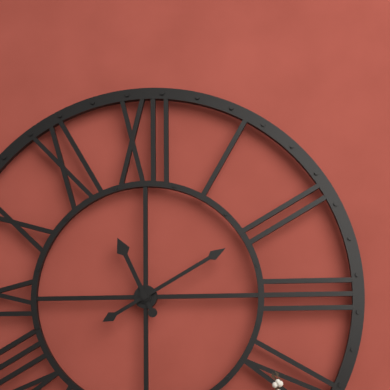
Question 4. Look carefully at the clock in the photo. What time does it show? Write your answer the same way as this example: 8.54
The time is 11.10
